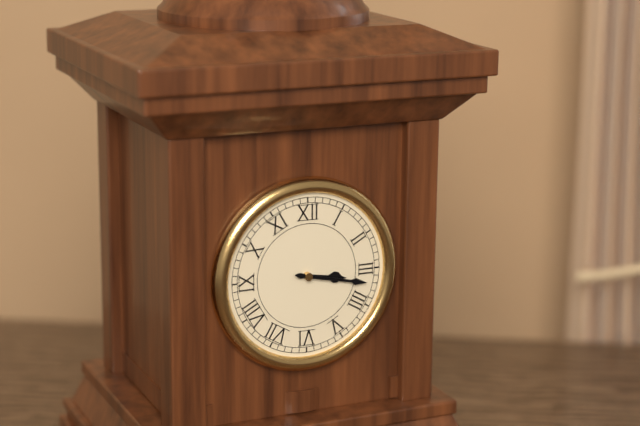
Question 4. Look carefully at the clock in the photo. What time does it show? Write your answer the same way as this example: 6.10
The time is 3.17
